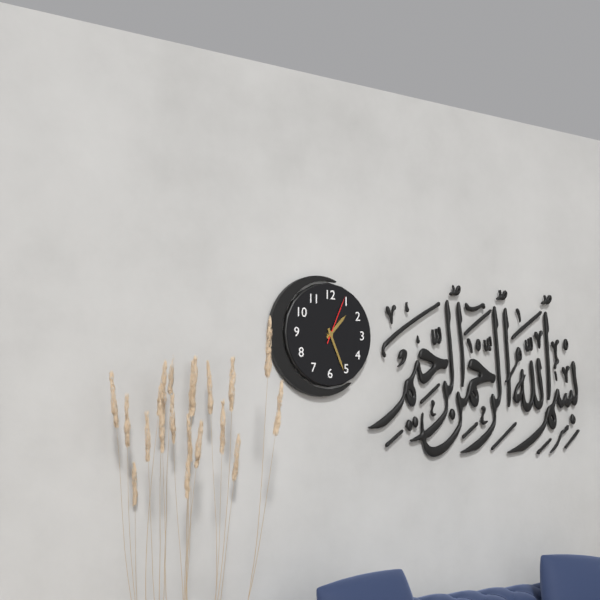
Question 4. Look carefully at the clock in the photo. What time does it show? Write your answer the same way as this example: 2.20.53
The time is 1.26.04
